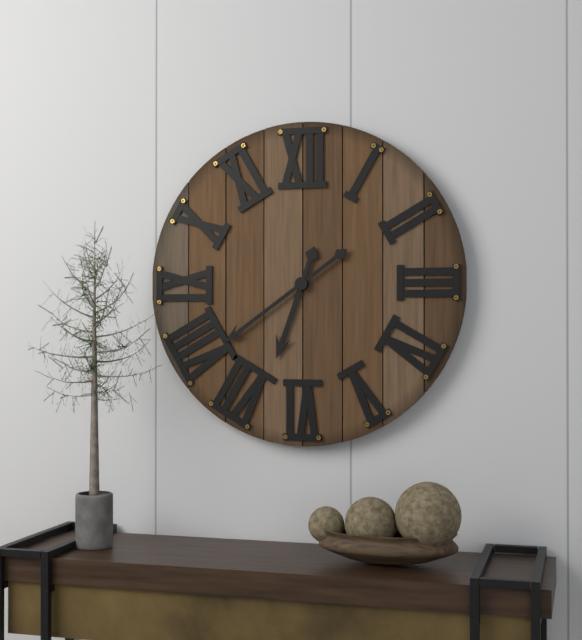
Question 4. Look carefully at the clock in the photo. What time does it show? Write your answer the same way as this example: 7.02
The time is 6.39
